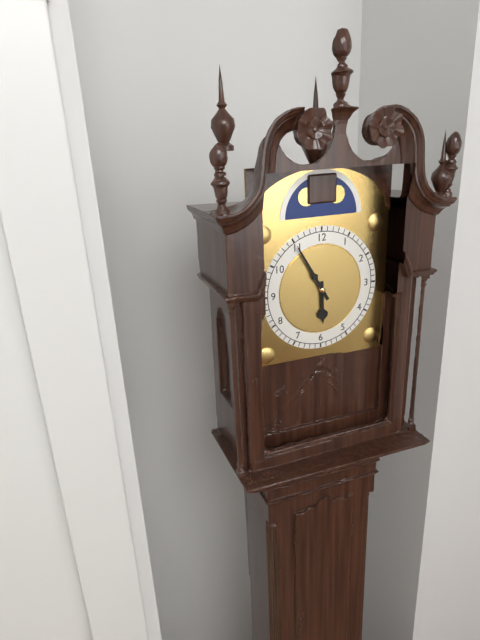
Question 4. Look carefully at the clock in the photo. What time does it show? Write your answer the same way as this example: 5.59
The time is 5.55
